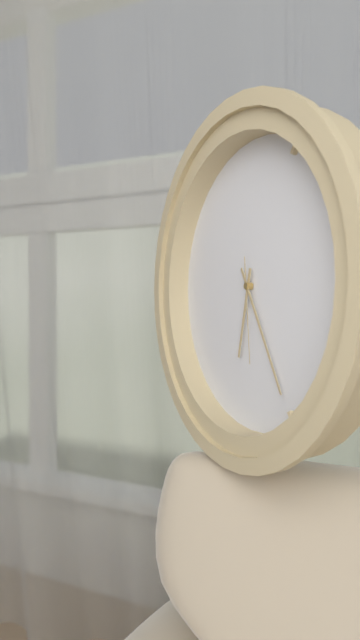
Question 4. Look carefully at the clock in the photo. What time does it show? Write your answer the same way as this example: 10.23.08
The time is 6.25.29
